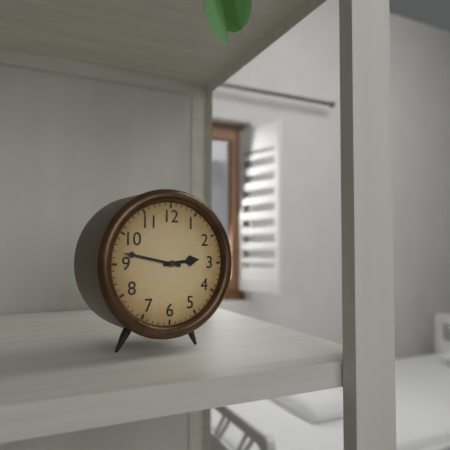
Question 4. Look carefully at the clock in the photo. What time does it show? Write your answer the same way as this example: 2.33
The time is 2.47
